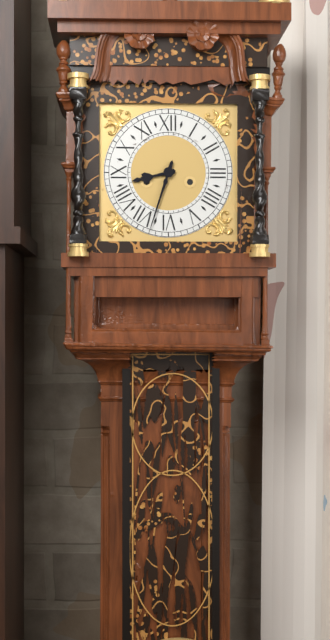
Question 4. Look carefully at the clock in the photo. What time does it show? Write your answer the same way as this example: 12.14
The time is 8.33
